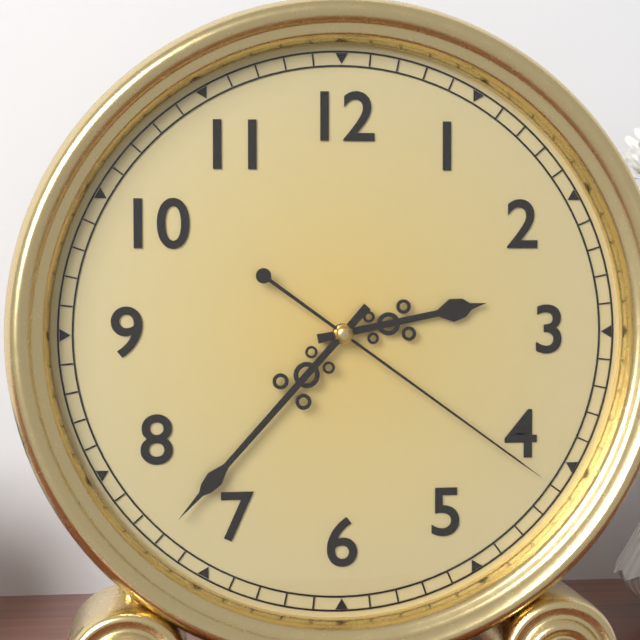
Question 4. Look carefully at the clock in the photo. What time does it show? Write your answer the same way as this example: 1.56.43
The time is 2.37.21
